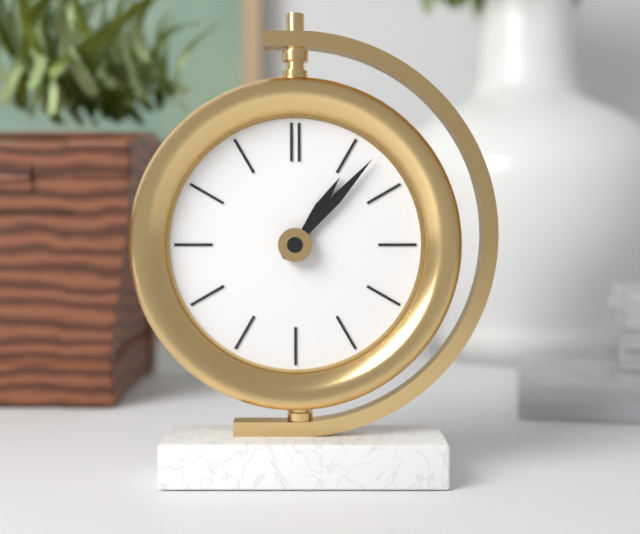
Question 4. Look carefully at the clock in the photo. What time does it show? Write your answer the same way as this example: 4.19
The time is 1.07
